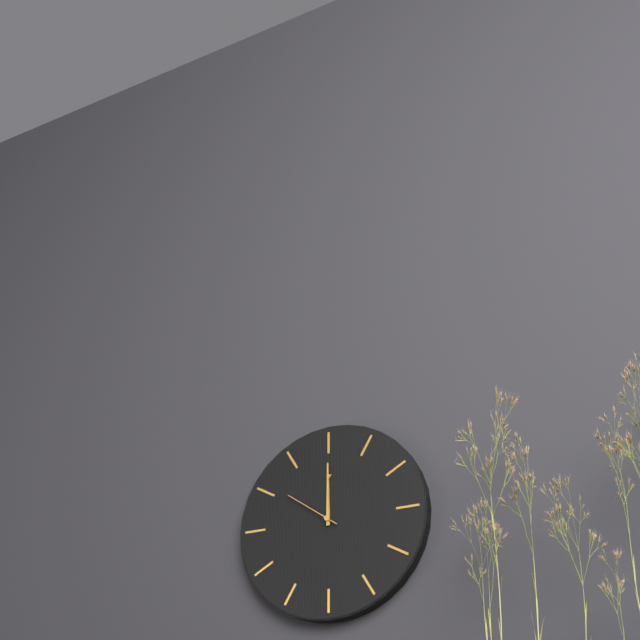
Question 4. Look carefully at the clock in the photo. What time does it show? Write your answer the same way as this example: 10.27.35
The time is 12.00.51
